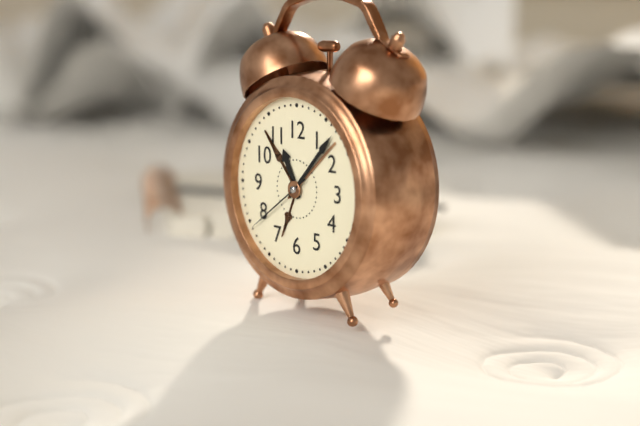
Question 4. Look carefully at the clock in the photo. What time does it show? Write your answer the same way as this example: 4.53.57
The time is 11.07.39
